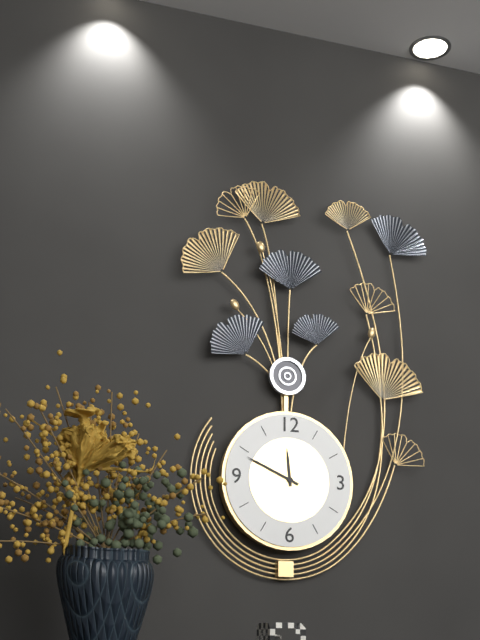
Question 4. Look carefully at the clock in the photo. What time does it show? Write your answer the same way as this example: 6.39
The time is 11.49
